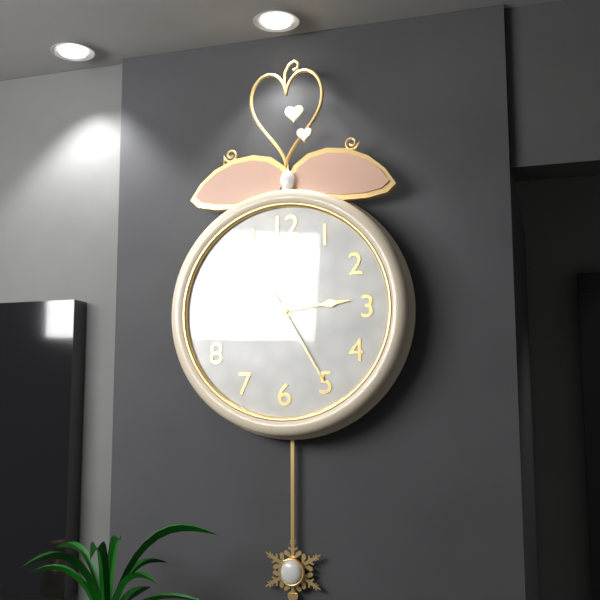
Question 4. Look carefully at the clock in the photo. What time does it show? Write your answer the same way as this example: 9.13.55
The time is 10.14.25
